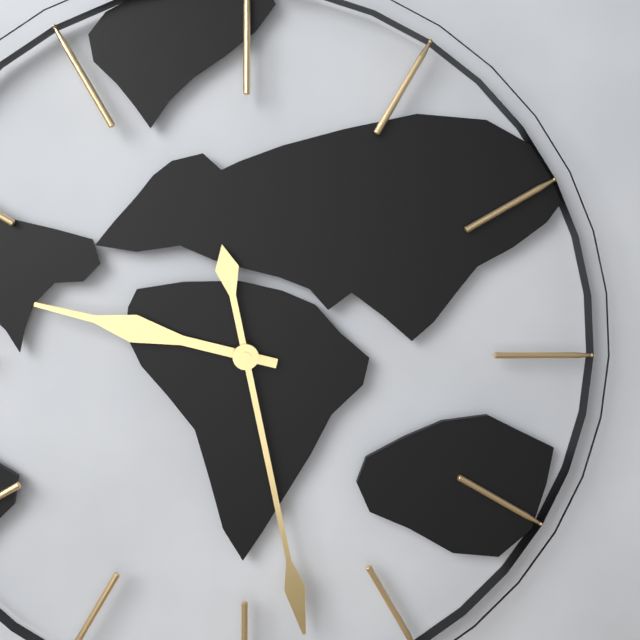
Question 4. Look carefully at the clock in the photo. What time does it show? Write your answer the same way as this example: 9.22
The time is 9.28
